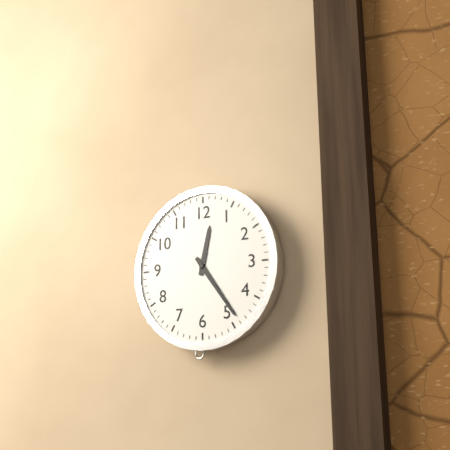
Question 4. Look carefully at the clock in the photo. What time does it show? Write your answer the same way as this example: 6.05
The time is 12.24
